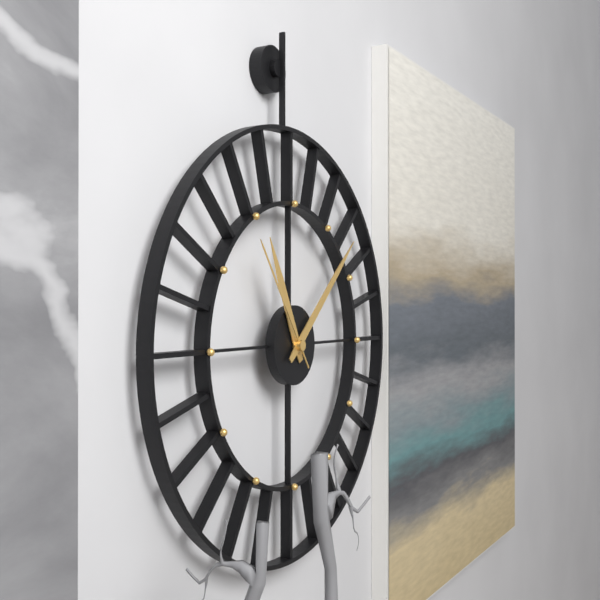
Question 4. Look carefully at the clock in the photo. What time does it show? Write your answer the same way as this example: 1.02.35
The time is 11.08.54
